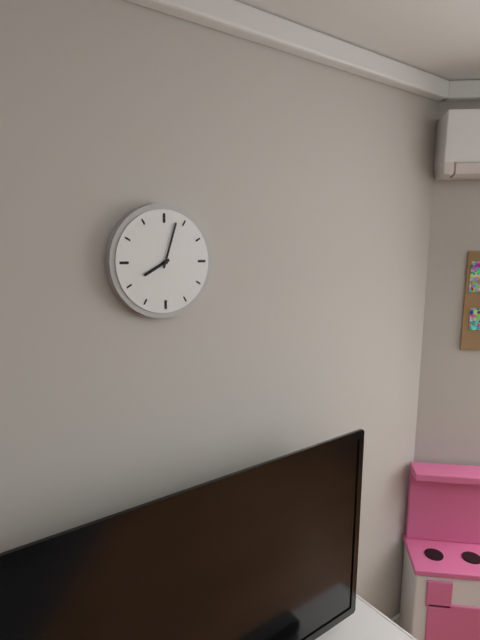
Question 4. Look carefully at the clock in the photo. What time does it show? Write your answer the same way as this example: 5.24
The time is 8.03
